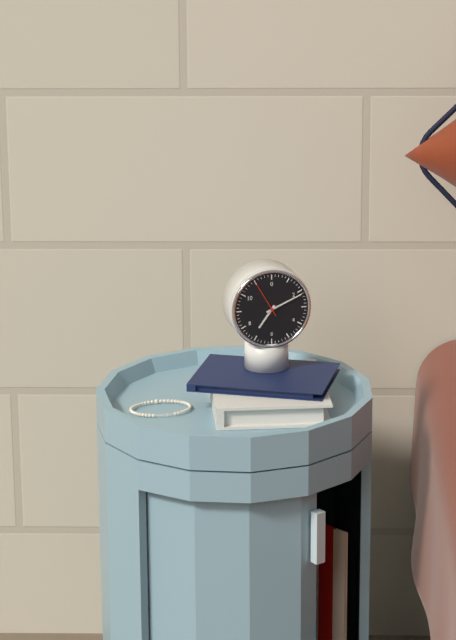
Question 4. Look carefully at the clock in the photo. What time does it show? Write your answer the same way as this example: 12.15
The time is 7.11
